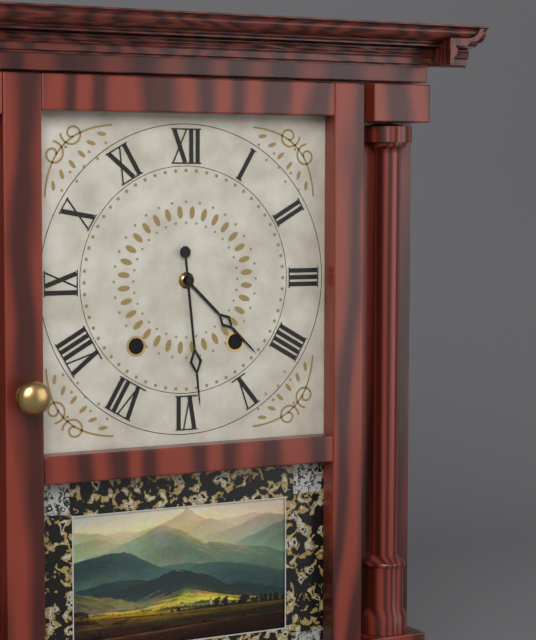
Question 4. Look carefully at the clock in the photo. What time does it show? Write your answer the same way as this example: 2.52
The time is 4.29
